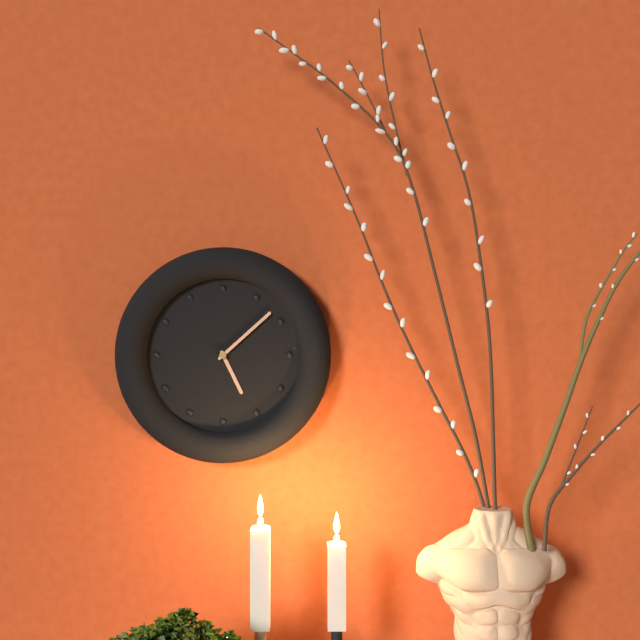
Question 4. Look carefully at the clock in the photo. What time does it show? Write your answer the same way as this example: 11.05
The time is 5.08
